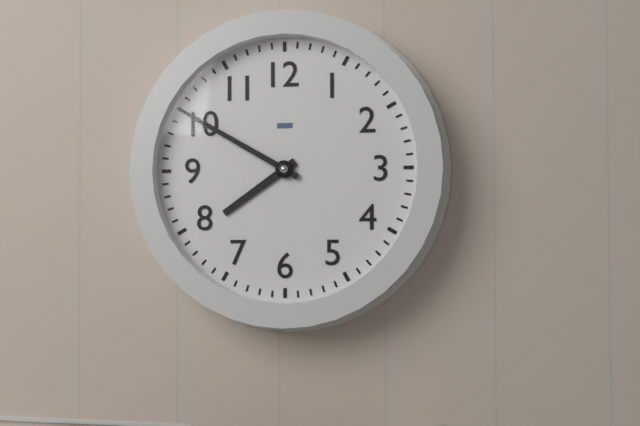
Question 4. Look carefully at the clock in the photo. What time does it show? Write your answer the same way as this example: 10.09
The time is 7.50
